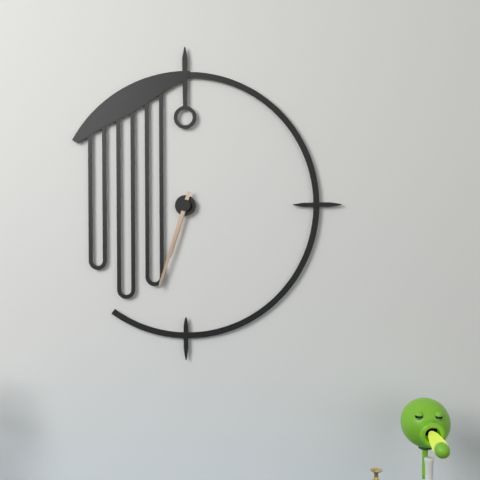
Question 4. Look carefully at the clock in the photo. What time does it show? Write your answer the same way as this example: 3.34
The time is 6.33
